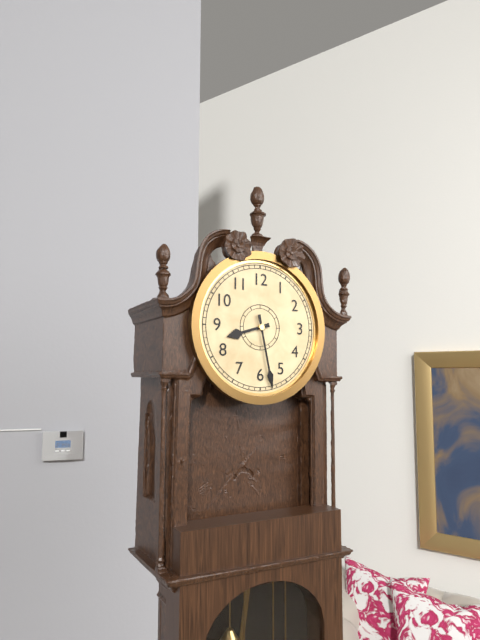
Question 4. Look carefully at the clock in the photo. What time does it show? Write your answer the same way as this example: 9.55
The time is 8.28
